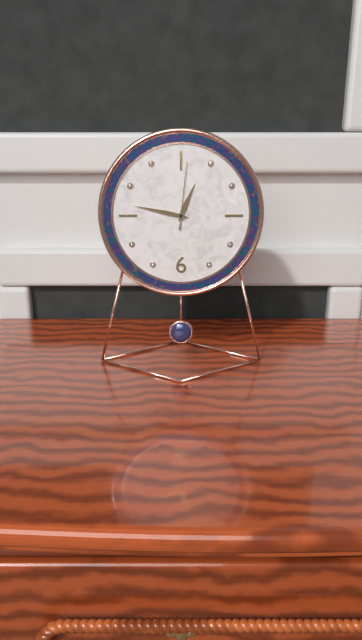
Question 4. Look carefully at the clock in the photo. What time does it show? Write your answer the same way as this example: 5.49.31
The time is 12.47.01
